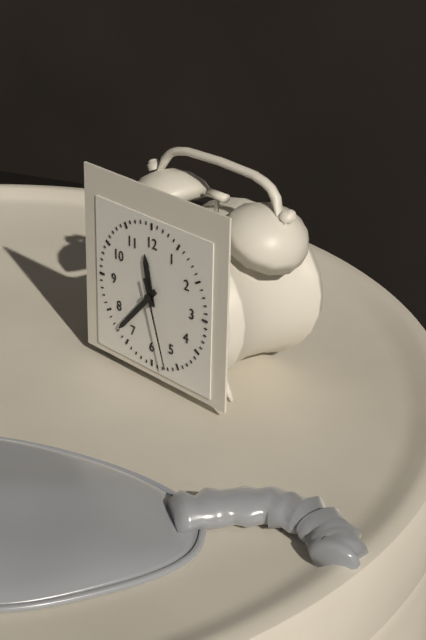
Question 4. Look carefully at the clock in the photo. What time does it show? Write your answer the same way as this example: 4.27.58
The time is 11.37.27
